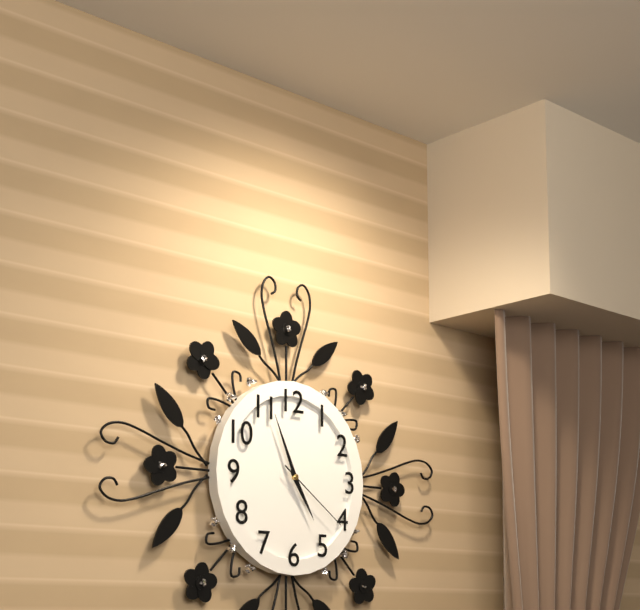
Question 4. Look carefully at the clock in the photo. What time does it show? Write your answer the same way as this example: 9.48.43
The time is 4.56.21
